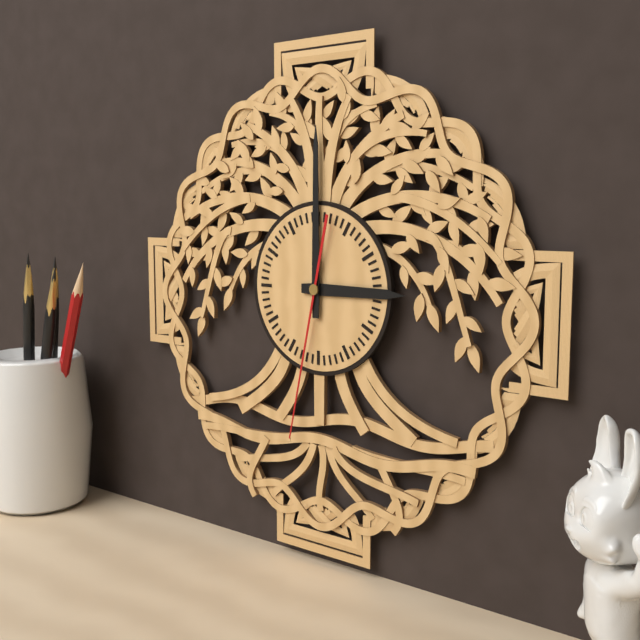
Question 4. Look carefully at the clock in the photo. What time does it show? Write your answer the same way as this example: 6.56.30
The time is 3.00.32
